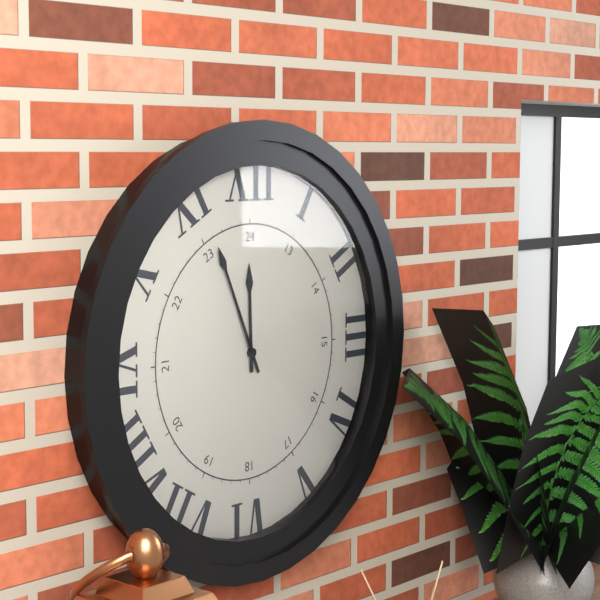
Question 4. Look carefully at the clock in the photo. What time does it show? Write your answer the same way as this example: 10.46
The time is 11.56
